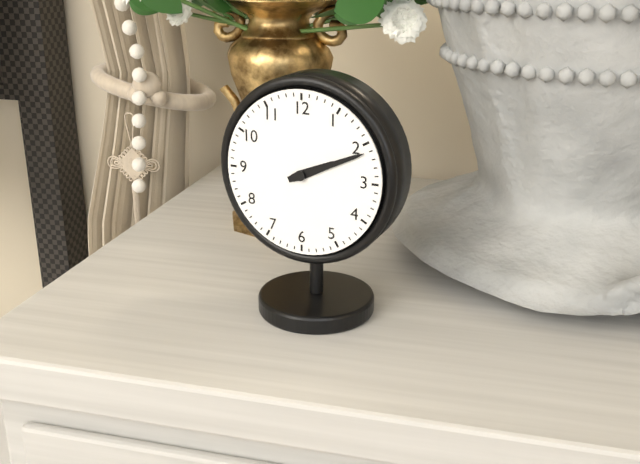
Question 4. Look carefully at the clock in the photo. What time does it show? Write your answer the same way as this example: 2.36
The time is 2.11
